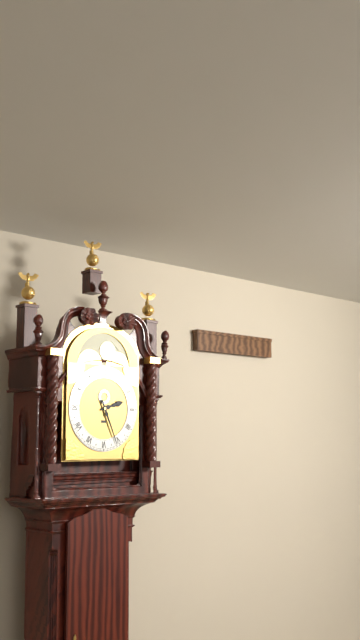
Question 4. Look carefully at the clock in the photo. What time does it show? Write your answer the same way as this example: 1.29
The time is 2.26
